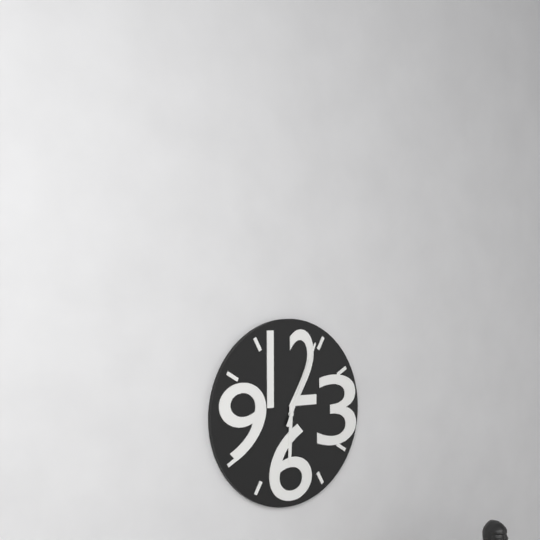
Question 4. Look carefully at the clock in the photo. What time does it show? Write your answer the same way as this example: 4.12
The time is 6.04
